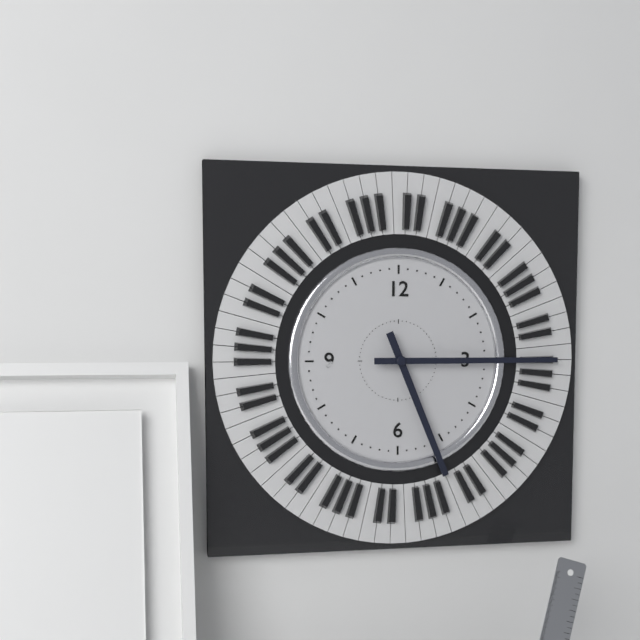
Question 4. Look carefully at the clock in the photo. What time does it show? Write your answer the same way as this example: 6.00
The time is 5.15
